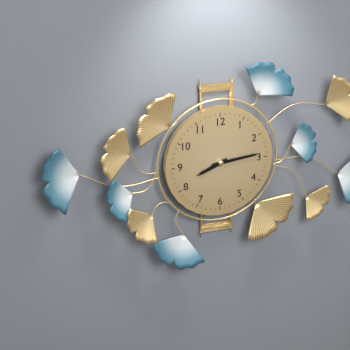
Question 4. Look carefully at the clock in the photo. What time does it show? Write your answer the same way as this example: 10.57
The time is 8.14
